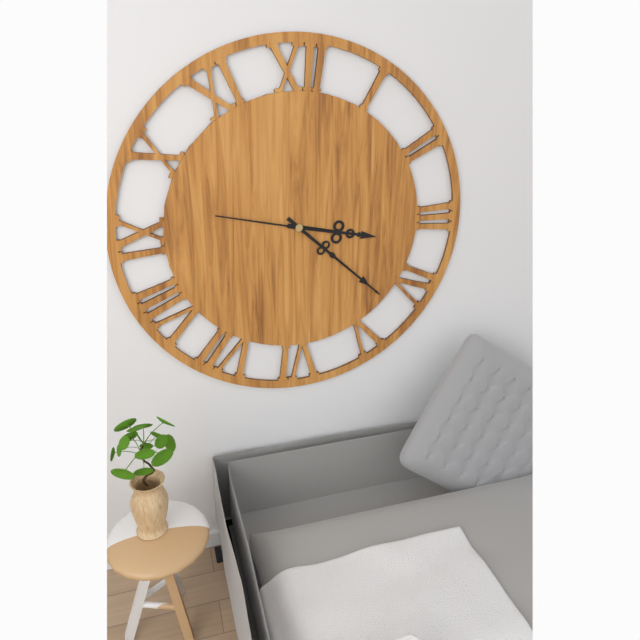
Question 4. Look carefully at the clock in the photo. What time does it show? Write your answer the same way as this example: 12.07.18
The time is 3.22.47
